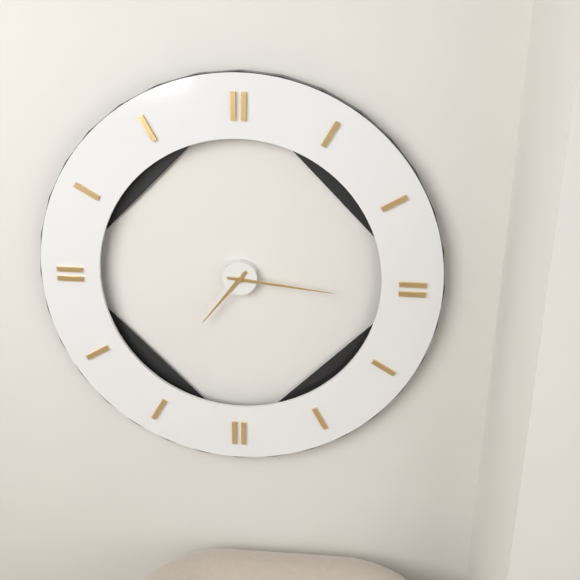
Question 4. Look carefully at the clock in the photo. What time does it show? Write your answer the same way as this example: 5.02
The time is 7.16
